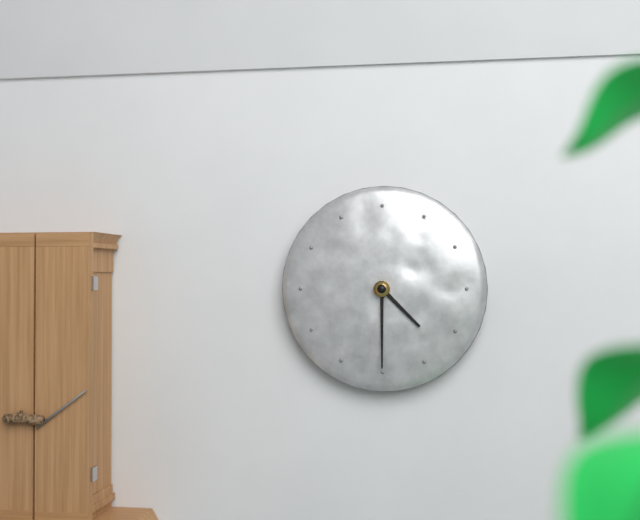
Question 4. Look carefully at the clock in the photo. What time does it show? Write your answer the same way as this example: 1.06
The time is 4.30
